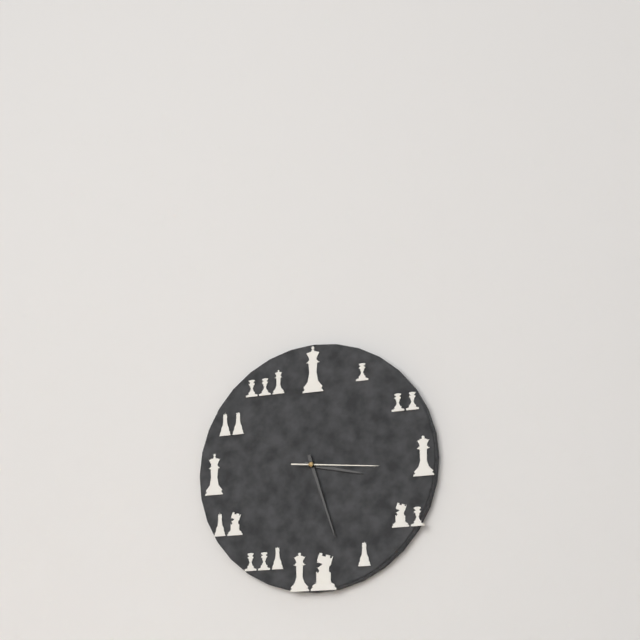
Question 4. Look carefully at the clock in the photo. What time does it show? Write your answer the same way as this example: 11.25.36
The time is 3.27.16
